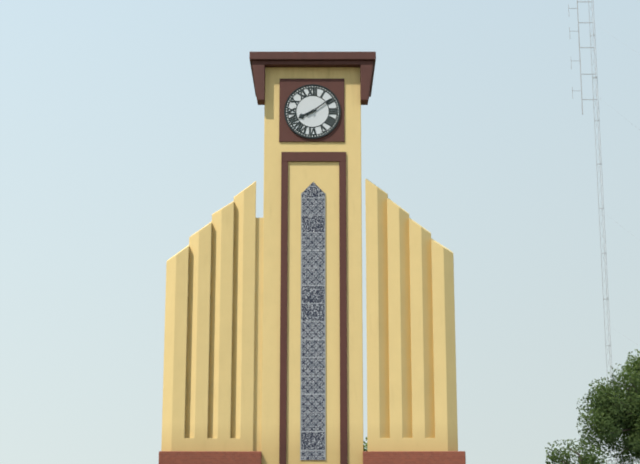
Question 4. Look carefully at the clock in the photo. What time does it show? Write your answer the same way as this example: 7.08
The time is 8.09
